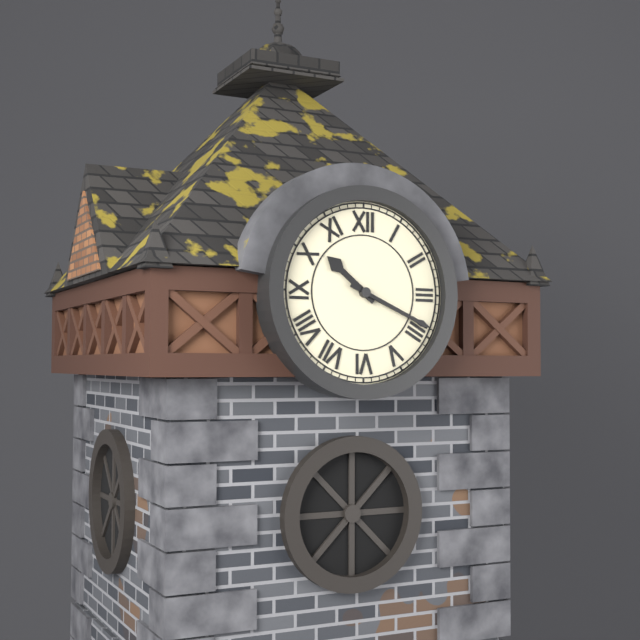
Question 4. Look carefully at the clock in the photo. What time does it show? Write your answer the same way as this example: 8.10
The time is 10.19
